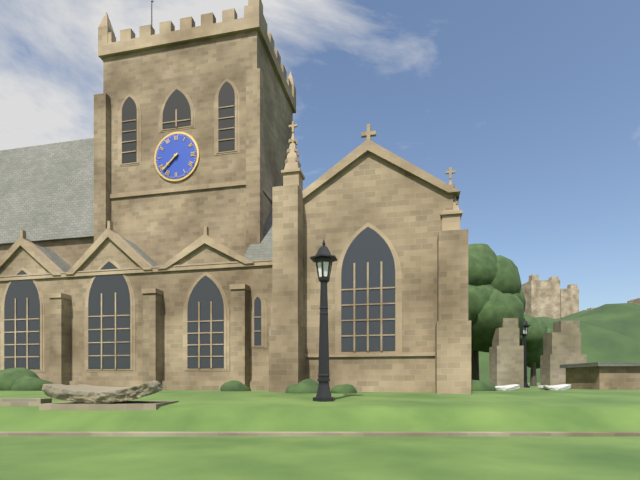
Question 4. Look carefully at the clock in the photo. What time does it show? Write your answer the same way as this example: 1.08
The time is 7.38
